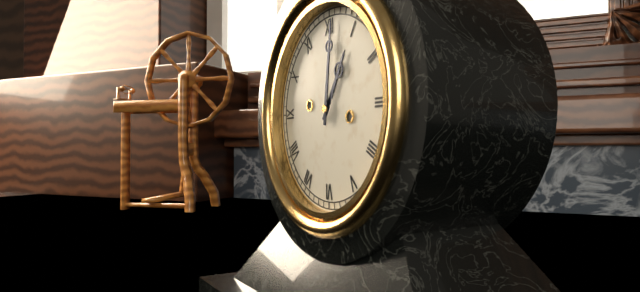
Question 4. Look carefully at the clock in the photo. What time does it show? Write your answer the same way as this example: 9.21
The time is 1.01
